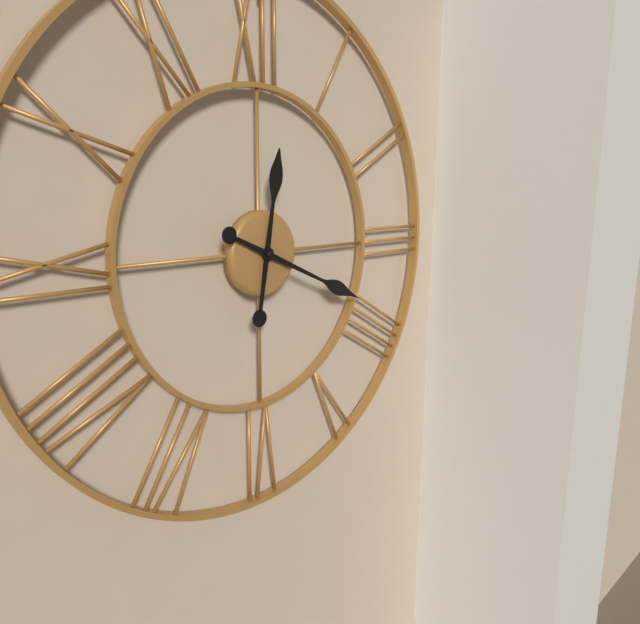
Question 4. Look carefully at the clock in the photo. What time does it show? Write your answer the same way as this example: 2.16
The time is 12.19
